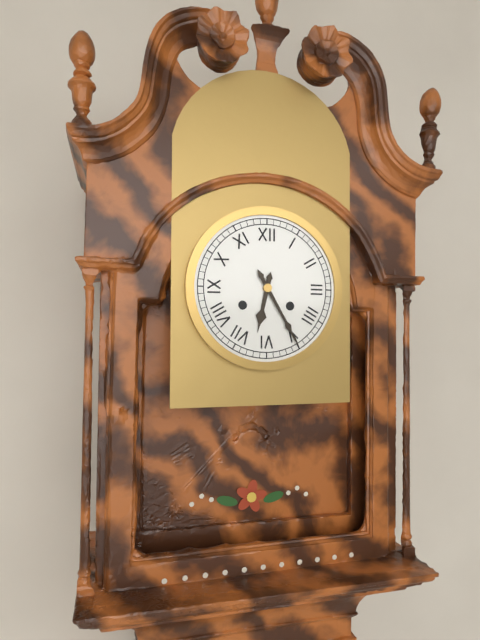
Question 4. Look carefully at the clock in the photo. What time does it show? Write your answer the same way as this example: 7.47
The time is 6.25
